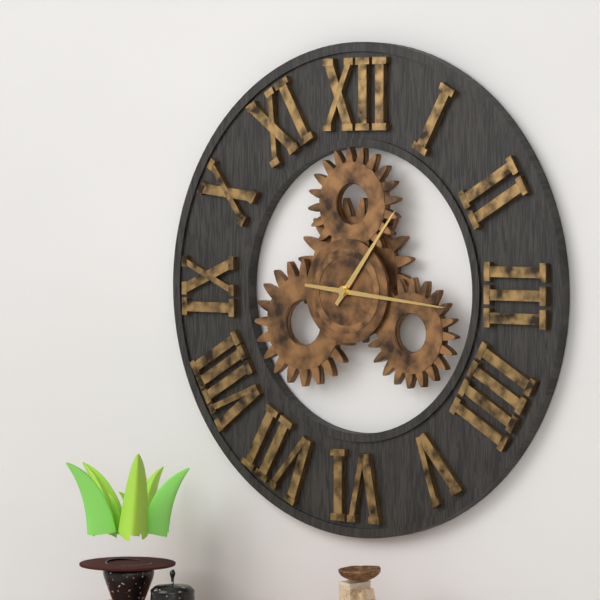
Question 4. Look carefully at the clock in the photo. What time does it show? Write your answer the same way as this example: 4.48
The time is 1.16
